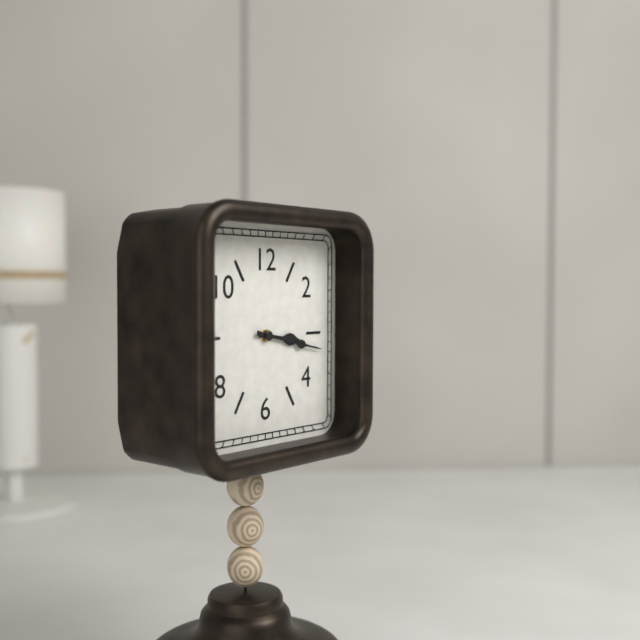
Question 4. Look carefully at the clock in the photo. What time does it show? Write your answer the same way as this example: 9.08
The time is 3.17
